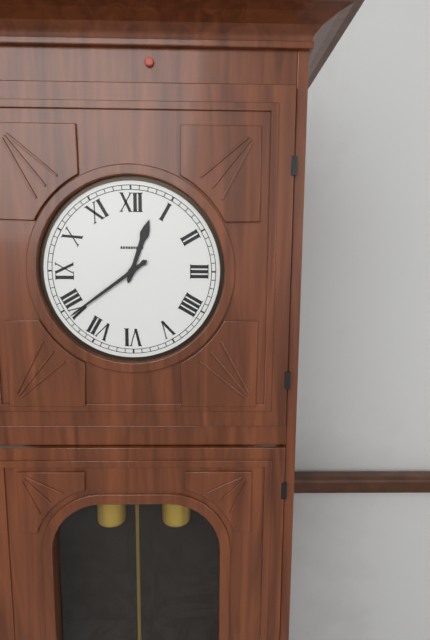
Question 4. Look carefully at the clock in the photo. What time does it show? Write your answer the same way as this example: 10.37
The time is 12.39
